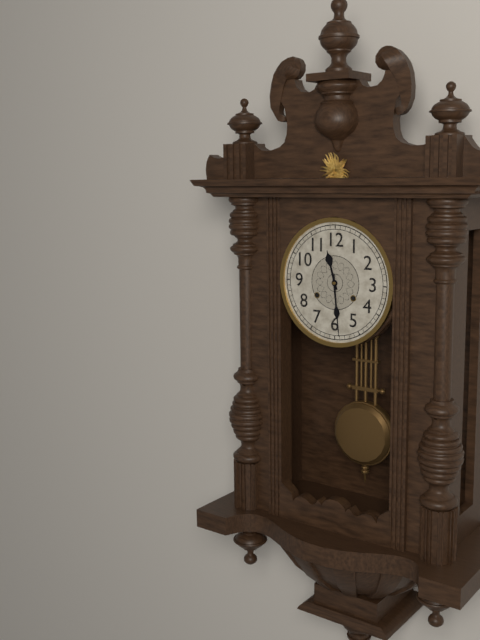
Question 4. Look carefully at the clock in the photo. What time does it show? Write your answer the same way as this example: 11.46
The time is 11.29
